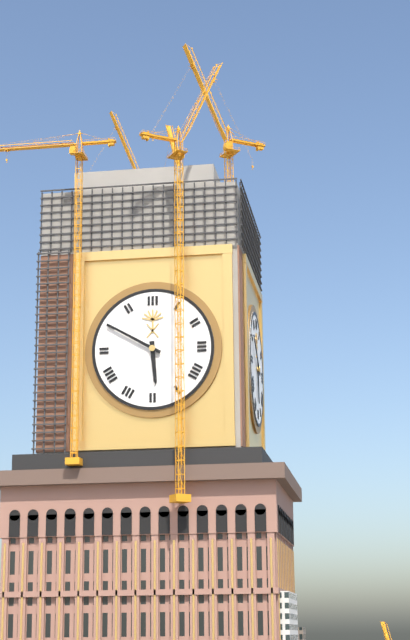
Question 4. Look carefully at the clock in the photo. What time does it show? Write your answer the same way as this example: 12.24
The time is 5.50
